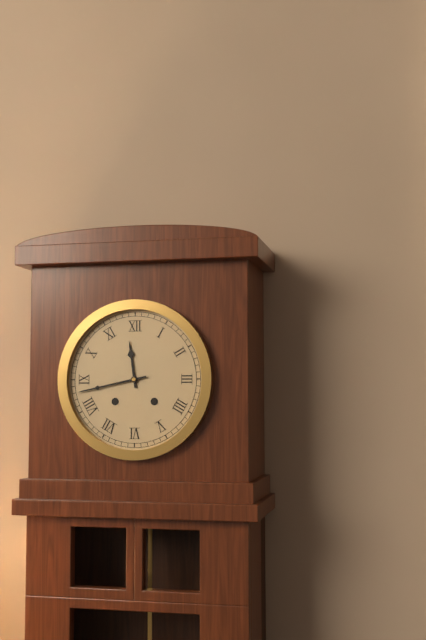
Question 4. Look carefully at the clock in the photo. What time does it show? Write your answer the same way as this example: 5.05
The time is 11.43
